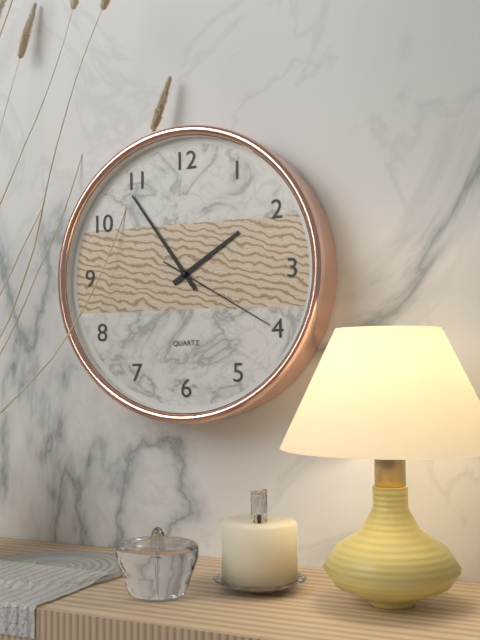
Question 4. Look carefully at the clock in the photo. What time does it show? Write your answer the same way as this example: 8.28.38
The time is 1.54.20
